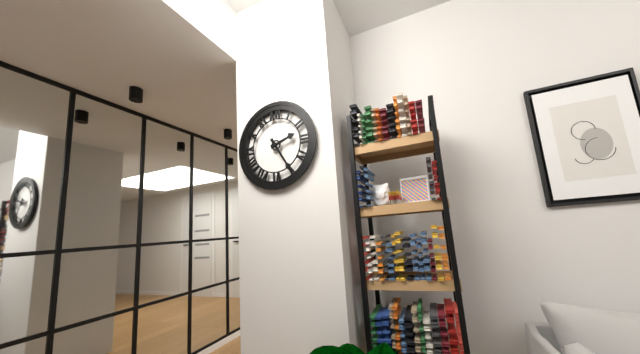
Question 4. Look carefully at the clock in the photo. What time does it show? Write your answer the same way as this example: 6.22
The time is 2.25
